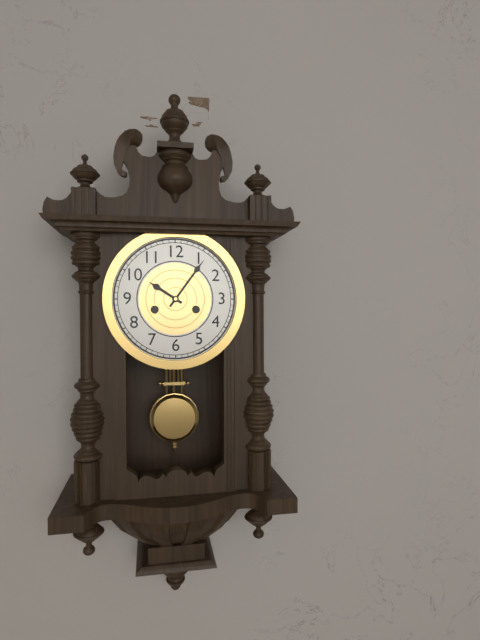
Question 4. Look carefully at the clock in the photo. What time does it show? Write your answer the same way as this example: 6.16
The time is 10.06
